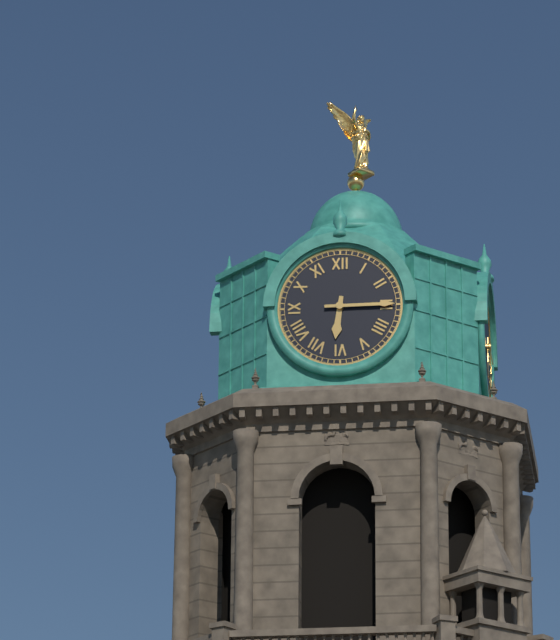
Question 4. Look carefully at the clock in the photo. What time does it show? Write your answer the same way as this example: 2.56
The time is 6.15
